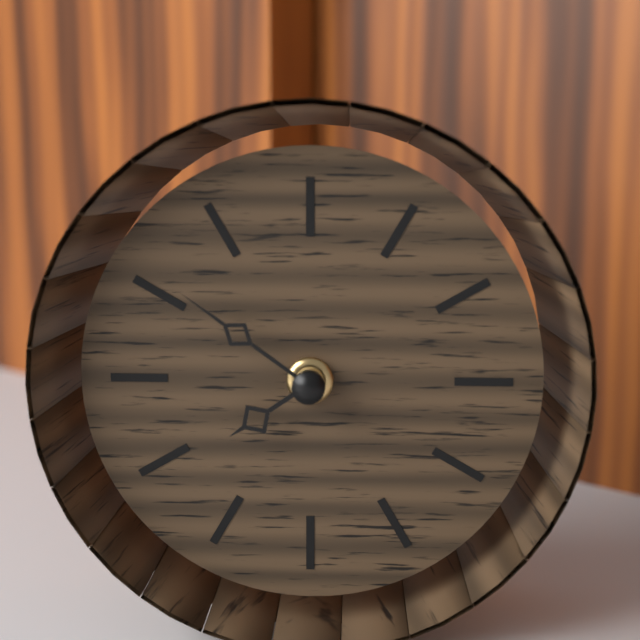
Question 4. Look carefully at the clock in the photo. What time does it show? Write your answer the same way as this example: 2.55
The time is 7.51
